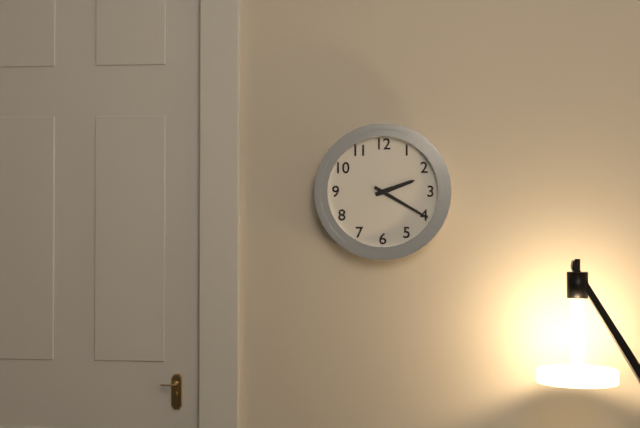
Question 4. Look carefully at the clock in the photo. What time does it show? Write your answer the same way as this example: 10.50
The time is 2.20
